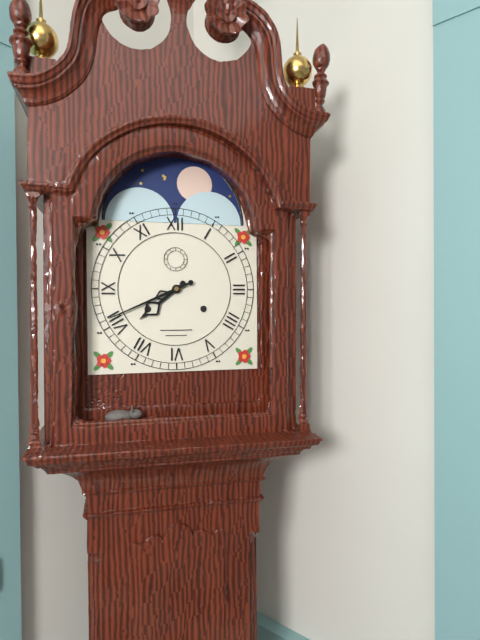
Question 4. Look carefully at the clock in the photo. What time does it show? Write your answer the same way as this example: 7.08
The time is 7.41
